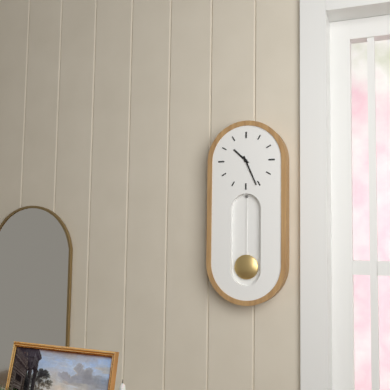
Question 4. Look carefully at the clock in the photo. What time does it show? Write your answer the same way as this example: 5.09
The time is 10.26
